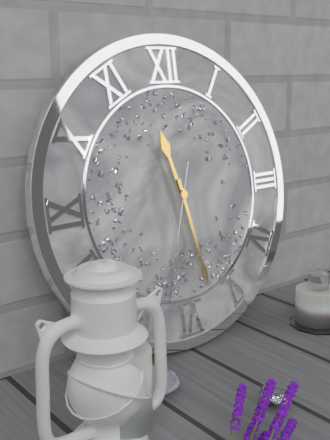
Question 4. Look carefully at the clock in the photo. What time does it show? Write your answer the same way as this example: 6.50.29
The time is 11.28.33
